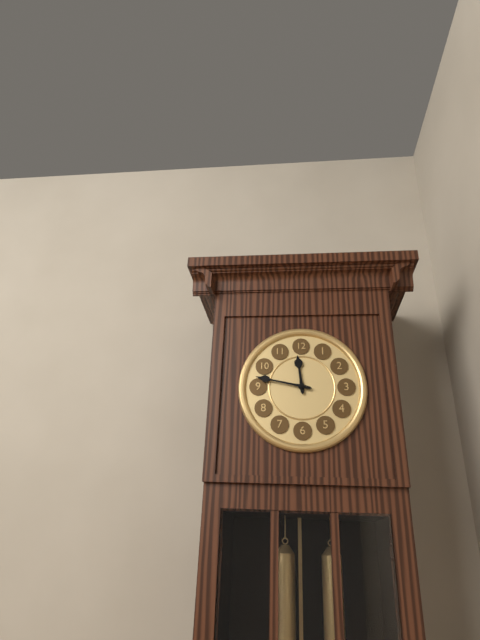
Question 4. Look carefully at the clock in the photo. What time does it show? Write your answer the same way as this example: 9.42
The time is 11.47
